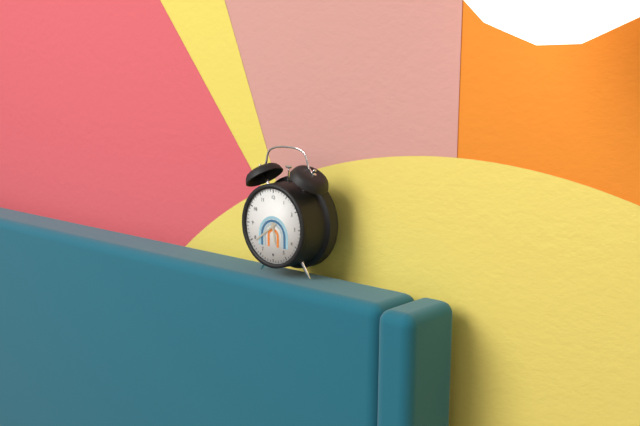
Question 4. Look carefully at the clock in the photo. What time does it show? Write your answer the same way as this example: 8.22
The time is 5.39
